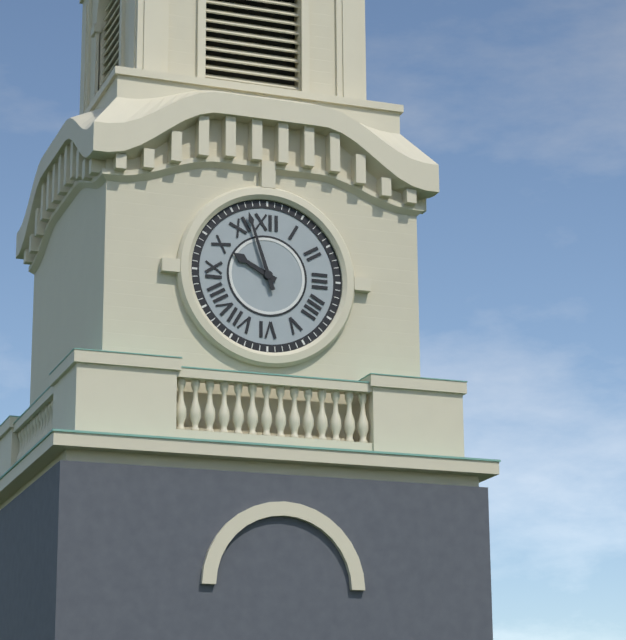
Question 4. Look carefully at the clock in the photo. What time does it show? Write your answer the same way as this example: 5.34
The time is 9.57
